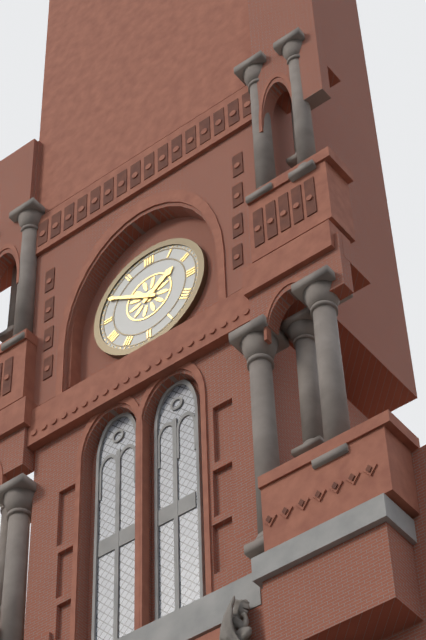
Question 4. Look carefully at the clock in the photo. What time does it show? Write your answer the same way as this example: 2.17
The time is 1.50
